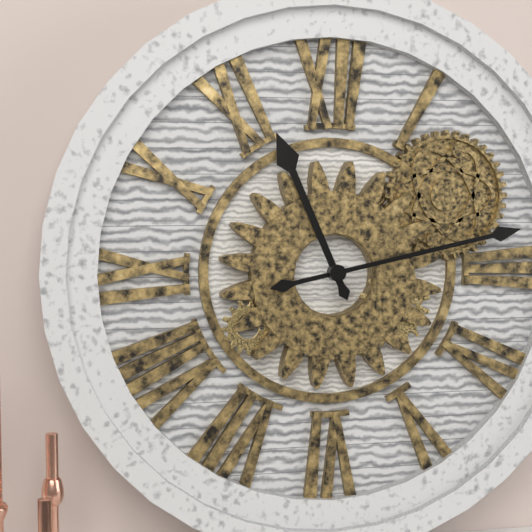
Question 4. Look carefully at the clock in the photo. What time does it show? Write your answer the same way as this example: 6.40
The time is 11.13
